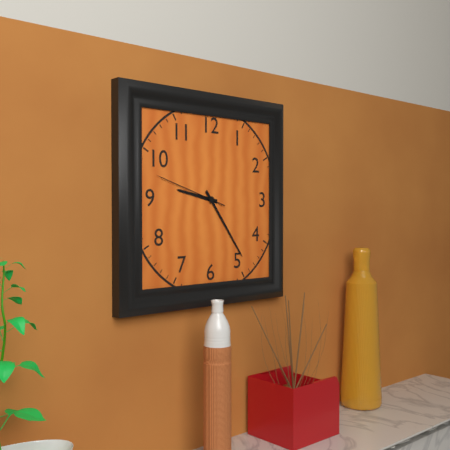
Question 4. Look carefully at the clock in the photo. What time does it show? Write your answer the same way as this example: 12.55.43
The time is 9.24.48
